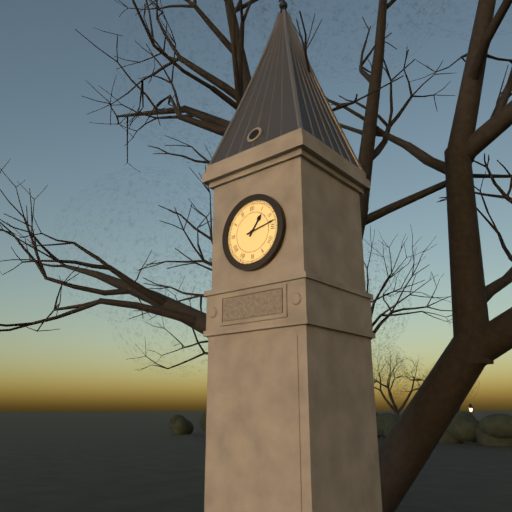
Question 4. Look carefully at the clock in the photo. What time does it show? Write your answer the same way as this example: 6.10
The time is 1.13
